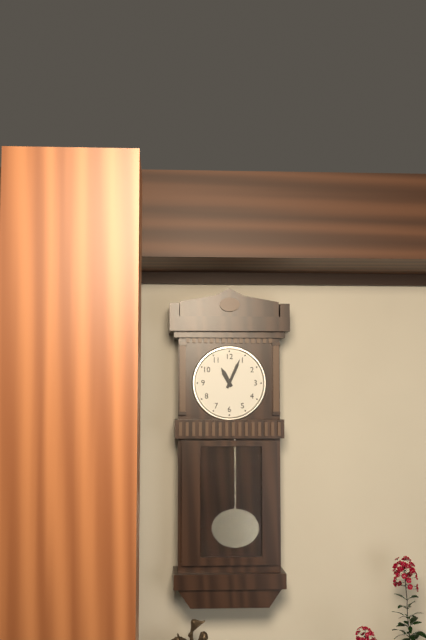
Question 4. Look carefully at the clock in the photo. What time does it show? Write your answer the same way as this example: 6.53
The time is 11.04
